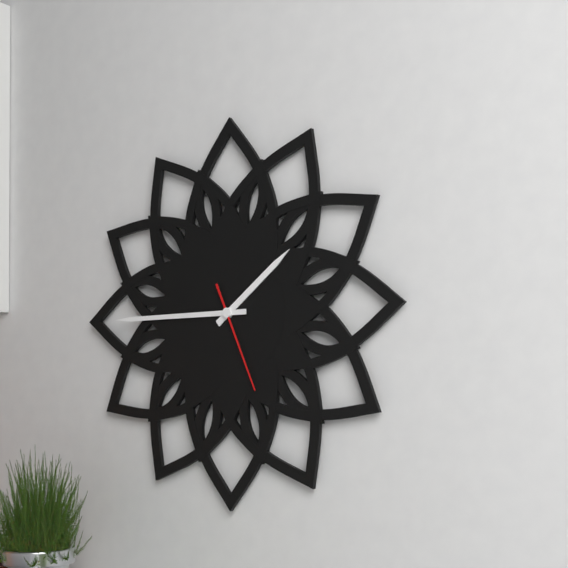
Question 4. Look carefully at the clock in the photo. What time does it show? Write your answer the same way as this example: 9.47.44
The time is 1.45.26
